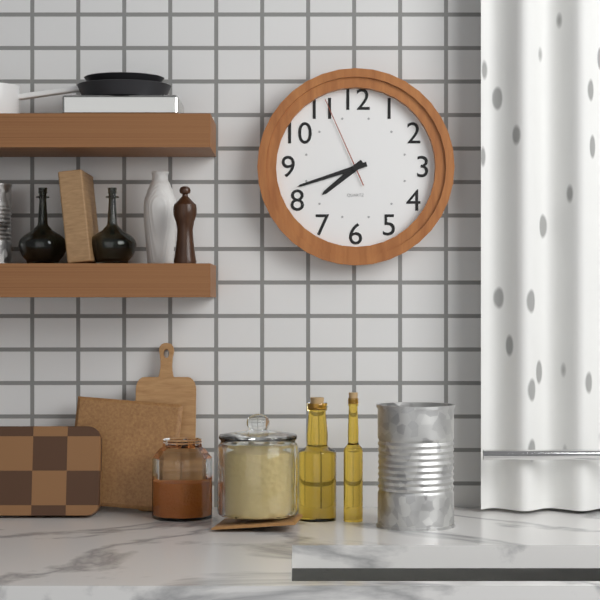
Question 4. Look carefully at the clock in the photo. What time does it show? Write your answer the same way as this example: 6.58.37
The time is 7.42.56
